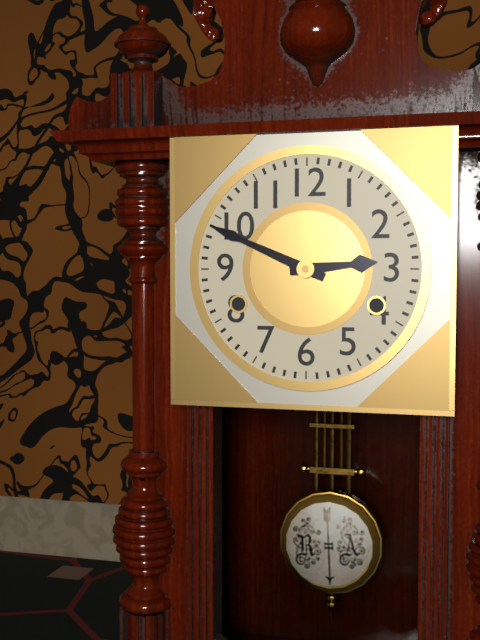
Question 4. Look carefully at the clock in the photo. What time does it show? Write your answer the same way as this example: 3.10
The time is 2.49
